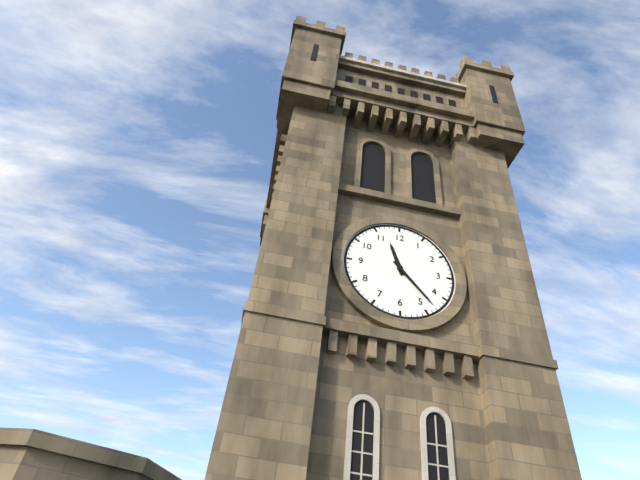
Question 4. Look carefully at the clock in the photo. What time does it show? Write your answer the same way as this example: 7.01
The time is 11.23
